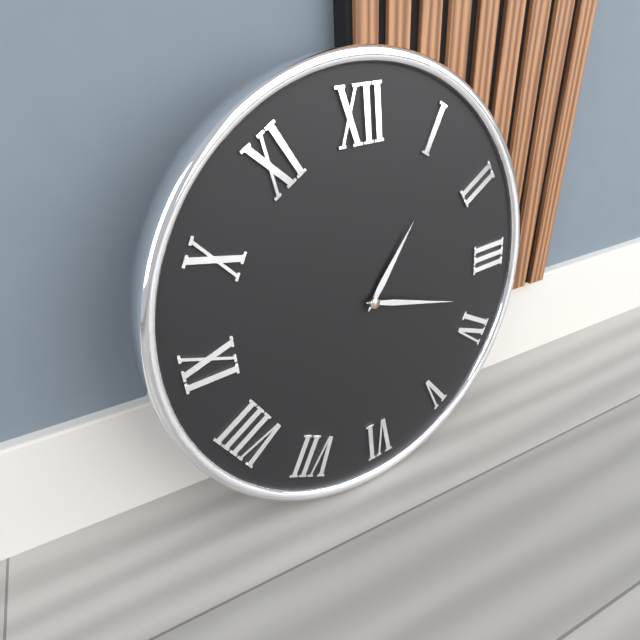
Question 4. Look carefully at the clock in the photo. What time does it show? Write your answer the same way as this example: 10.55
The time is 1.18
